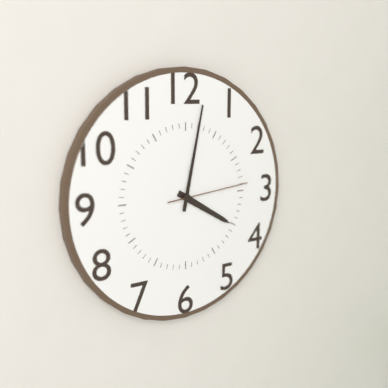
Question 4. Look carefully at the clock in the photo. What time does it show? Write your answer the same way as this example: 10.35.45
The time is 4.02.14
